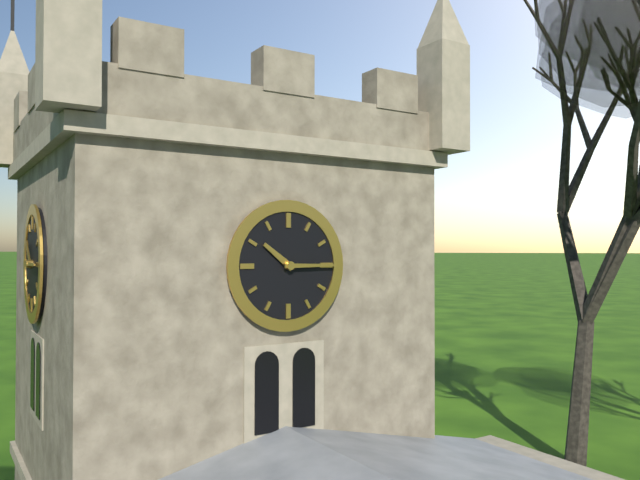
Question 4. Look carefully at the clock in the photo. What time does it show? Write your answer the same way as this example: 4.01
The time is 10.15
